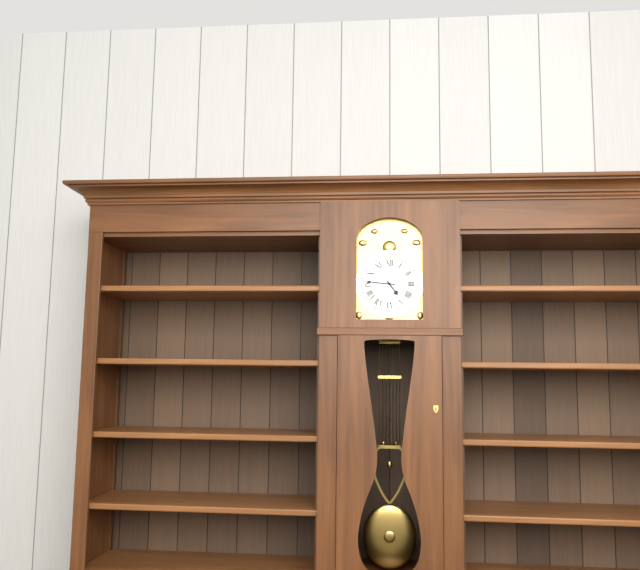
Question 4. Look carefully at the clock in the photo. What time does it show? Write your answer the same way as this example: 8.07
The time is 4.46
